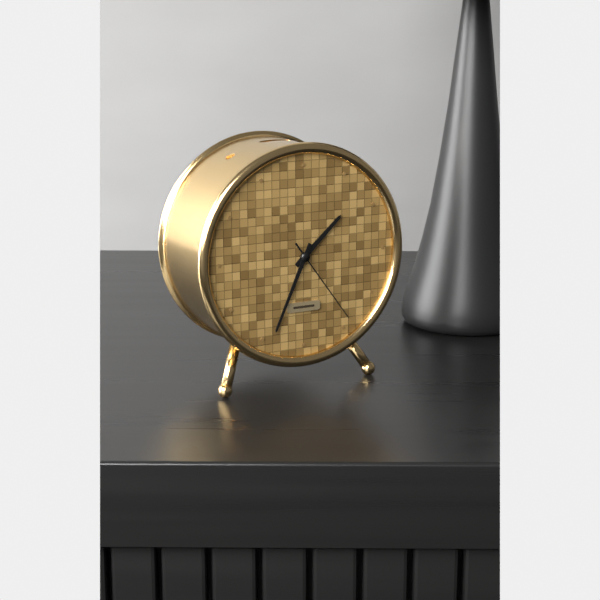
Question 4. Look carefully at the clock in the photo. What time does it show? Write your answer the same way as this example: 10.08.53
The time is 1.34.24
